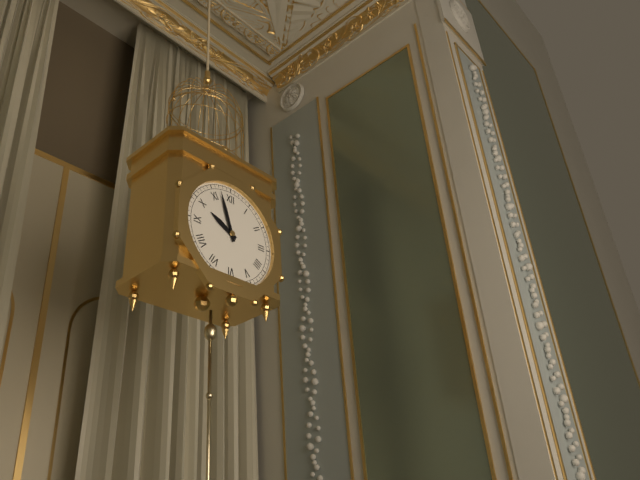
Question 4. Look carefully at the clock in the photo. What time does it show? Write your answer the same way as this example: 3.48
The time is 9.57
